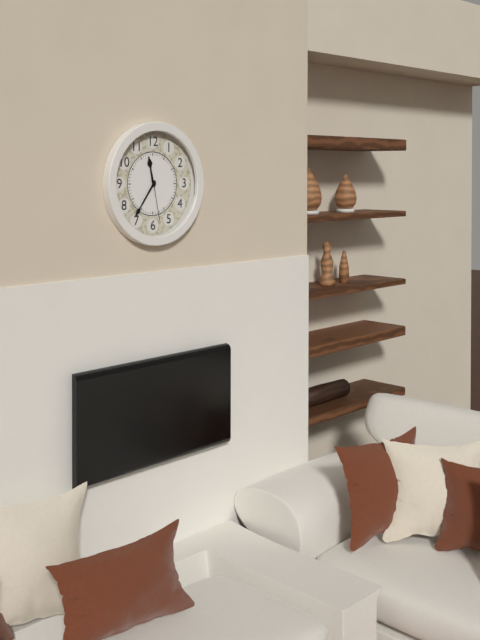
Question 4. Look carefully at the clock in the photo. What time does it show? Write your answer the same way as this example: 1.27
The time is 11.36
